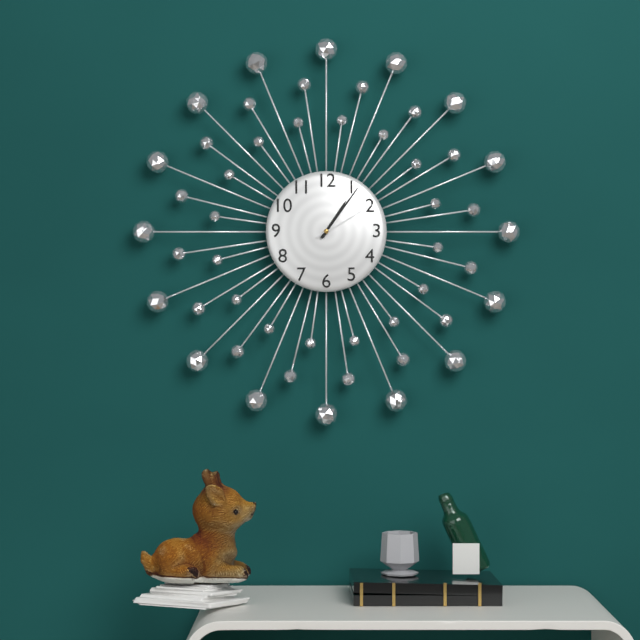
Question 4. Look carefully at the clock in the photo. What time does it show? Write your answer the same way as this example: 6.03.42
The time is 1.06.10
